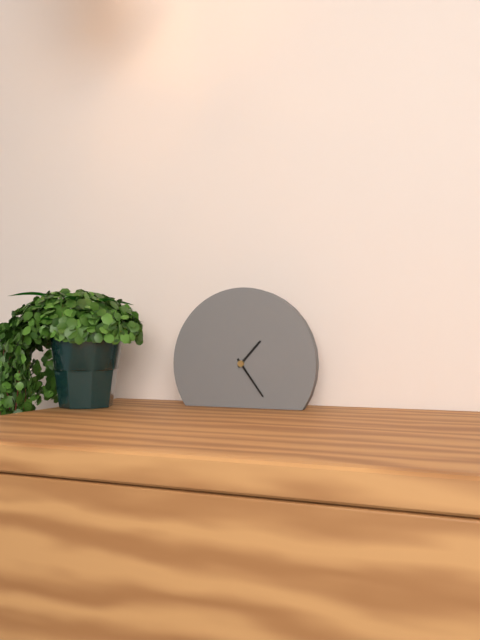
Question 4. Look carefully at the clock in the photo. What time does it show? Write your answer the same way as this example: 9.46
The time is 1.24
